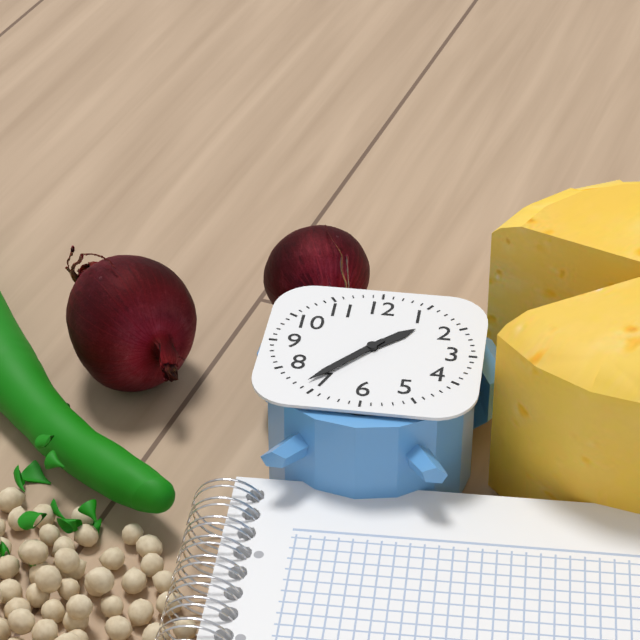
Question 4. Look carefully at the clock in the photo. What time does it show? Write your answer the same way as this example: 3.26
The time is 1.37
